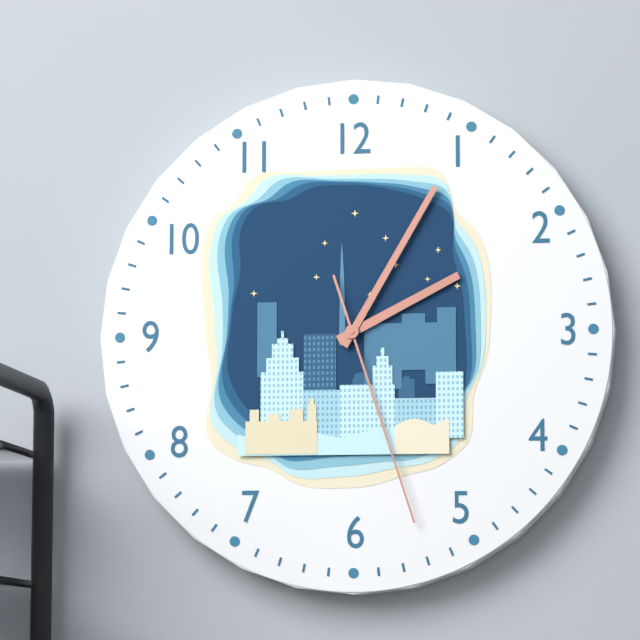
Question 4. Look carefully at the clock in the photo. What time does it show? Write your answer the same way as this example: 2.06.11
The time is 2.05.27
